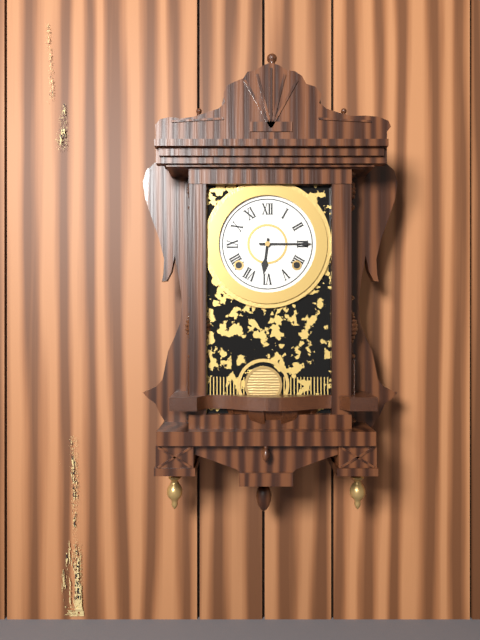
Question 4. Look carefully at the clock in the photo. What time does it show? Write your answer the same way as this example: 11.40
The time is 6.15
